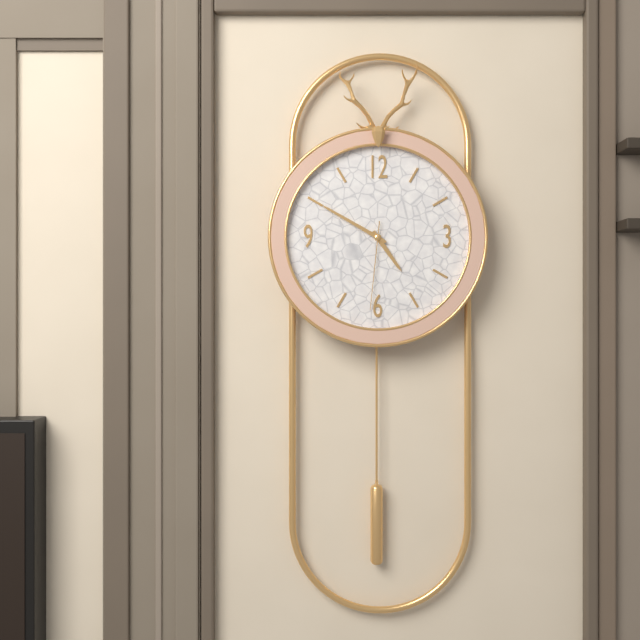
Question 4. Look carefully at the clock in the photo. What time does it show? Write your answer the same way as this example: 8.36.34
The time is 4.50.31
